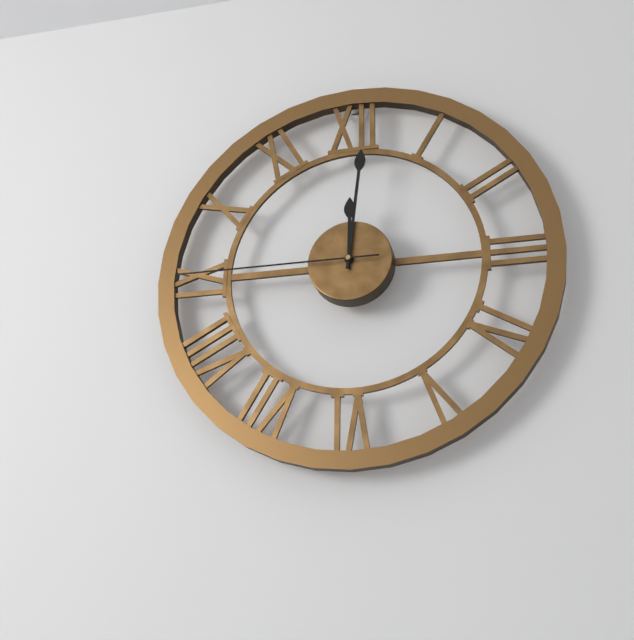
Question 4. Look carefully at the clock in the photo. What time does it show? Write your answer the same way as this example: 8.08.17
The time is 12.01.45
